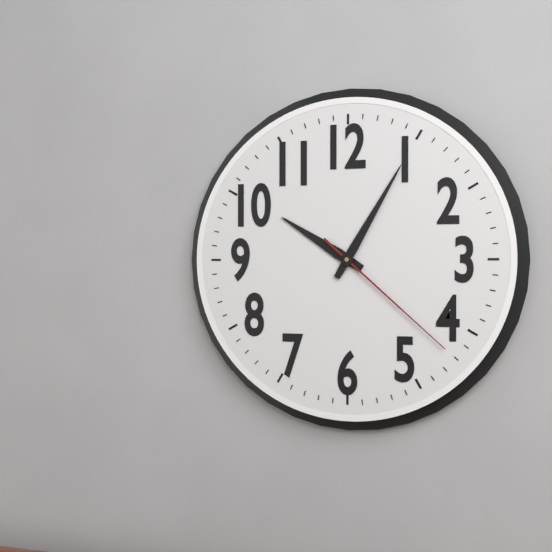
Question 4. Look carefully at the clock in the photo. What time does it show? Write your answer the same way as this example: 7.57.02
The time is 10.05.22
